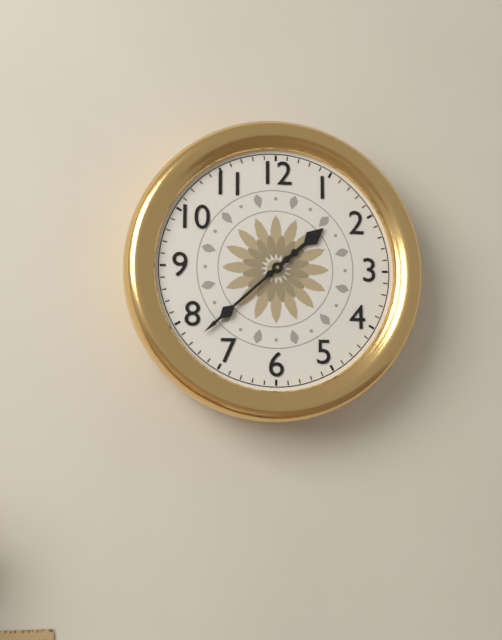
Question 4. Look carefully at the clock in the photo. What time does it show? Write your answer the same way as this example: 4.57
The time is 1.38
